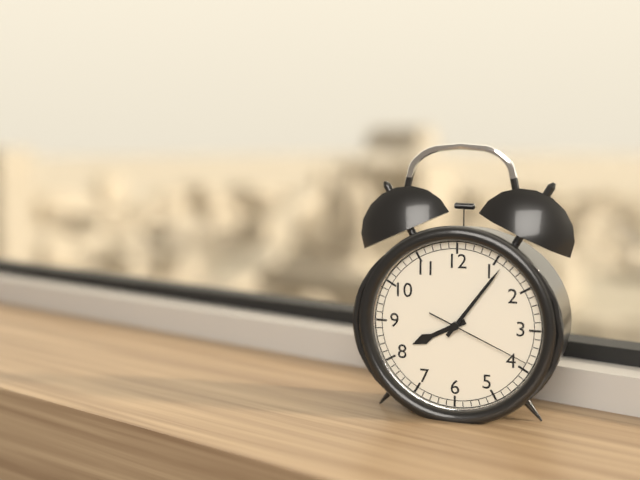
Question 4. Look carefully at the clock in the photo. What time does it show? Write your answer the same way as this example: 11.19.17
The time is 8.06.19
